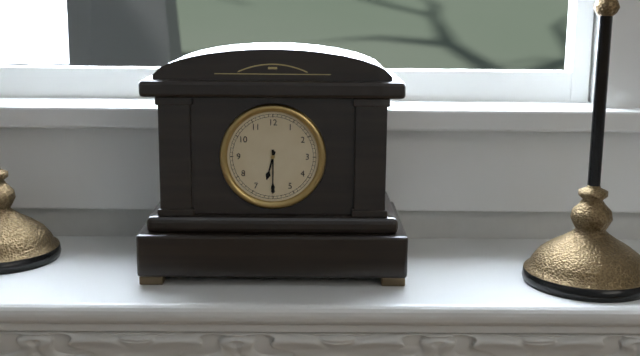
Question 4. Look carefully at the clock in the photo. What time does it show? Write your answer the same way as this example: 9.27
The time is 6.30
